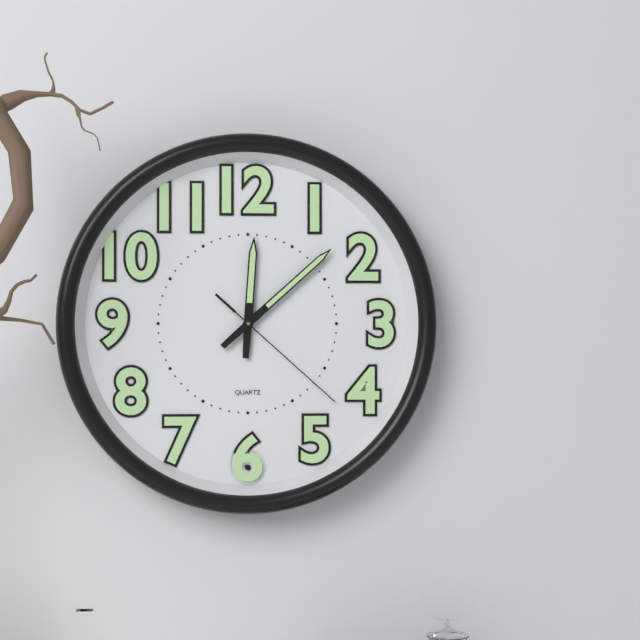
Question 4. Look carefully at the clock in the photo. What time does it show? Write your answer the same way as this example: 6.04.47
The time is 12.08.22
